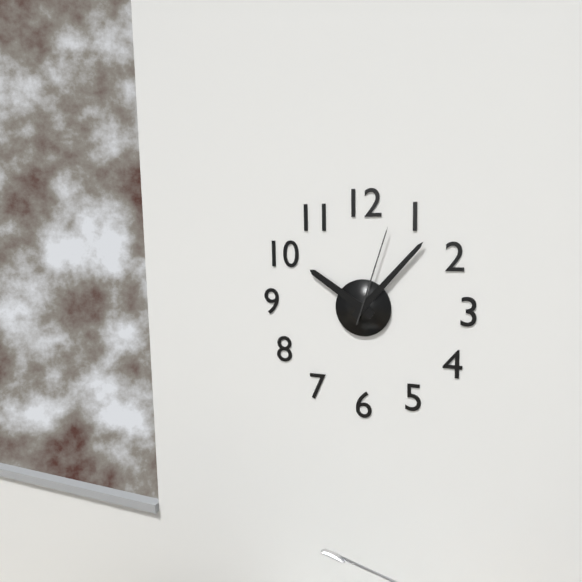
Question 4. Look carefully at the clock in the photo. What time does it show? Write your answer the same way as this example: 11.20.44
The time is 10.07.03
